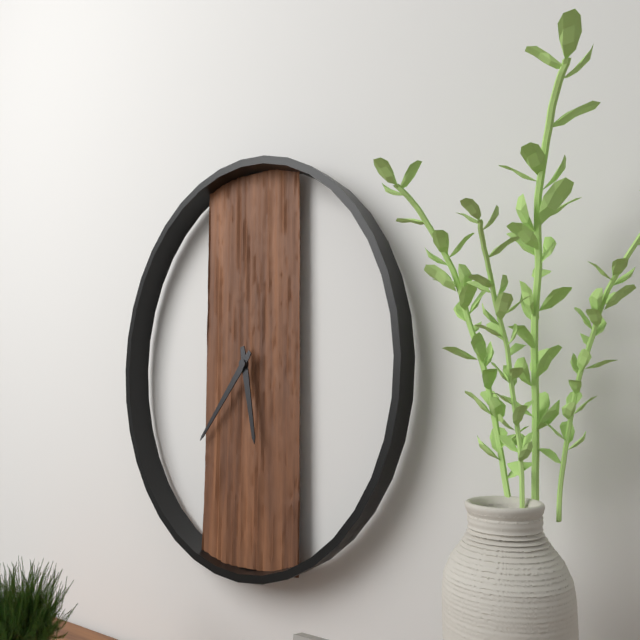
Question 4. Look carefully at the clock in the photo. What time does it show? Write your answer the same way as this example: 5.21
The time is 5.37
